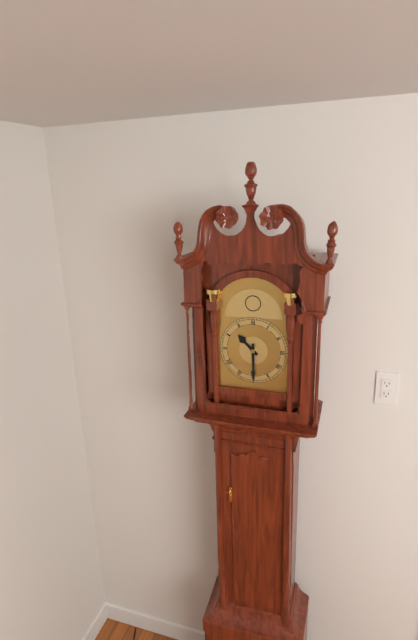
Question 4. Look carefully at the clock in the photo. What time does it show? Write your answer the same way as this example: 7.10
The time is 10.30
